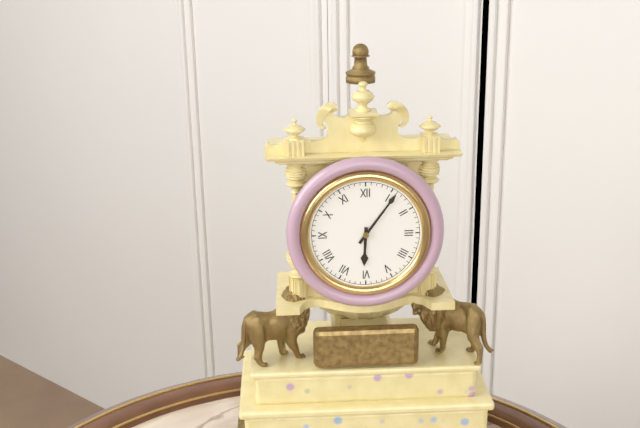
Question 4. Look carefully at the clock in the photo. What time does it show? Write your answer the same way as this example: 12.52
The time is 6.06
